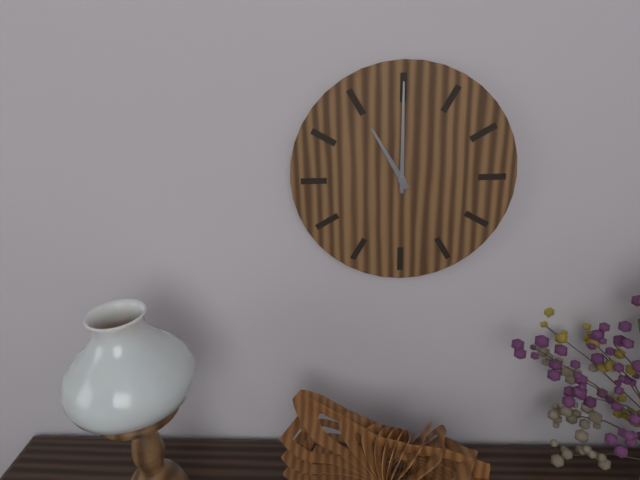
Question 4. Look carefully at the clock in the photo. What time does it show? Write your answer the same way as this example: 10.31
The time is 11.00
